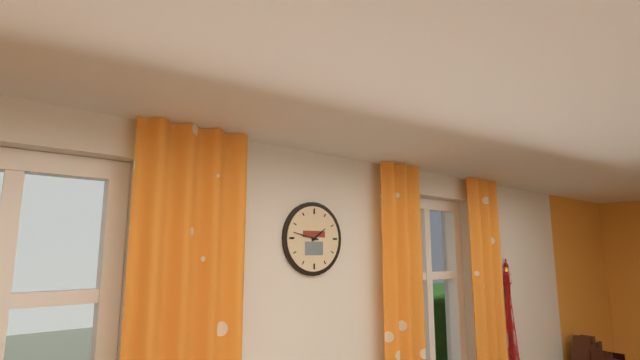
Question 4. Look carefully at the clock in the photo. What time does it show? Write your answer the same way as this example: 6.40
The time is 1.47
